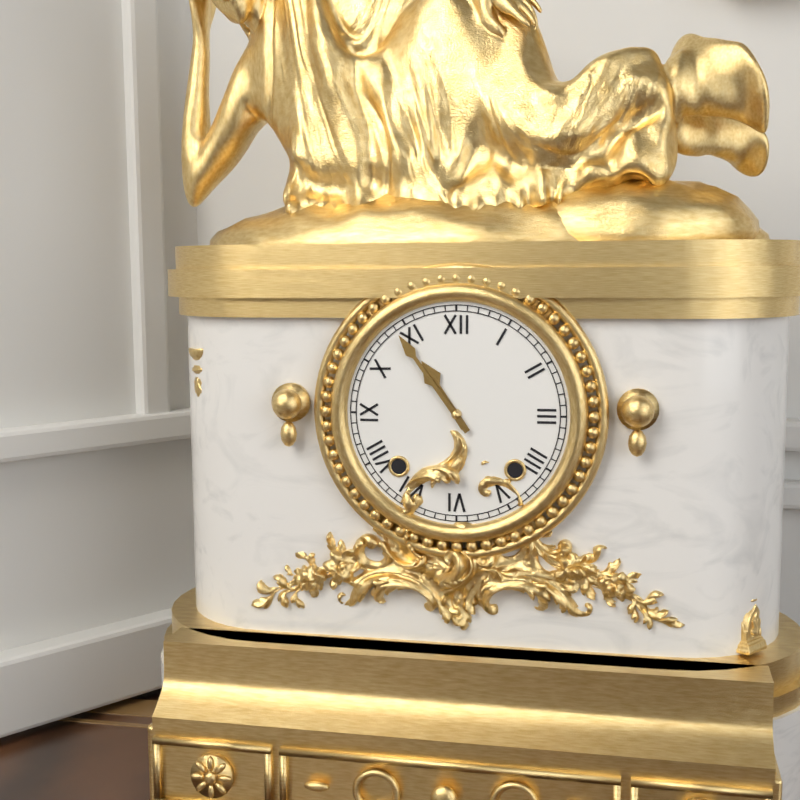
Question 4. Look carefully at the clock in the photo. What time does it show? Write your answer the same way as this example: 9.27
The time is 10.54
